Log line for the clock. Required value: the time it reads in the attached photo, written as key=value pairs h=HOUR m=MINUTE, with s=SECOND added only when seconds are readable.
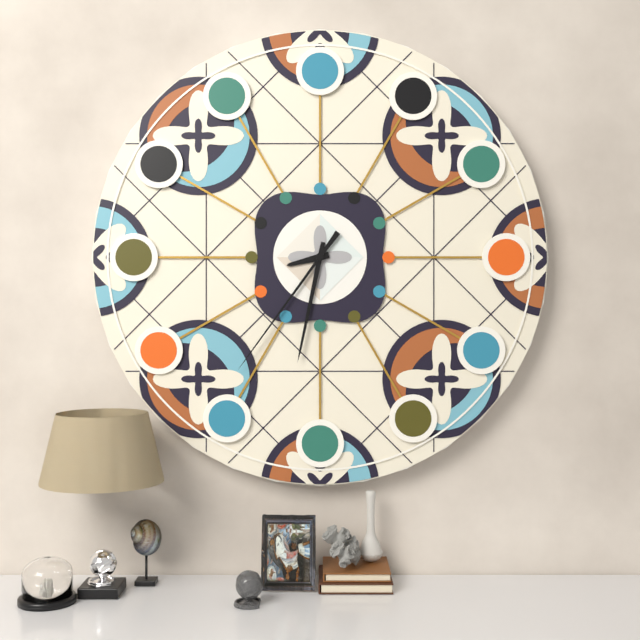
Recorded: h=8 m=32 s=36
